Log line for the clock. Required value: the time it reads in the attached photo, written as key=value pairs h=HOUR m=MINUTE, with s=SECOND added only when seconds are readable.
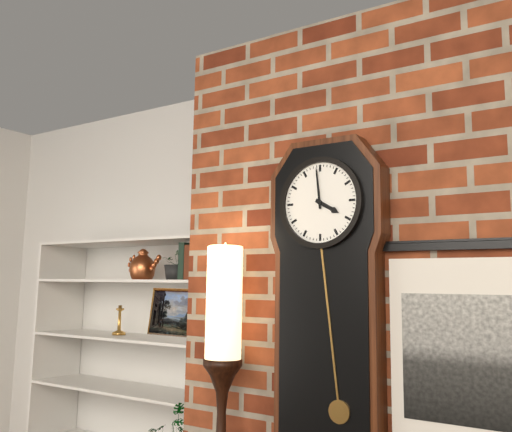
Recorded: h=3 m=59
